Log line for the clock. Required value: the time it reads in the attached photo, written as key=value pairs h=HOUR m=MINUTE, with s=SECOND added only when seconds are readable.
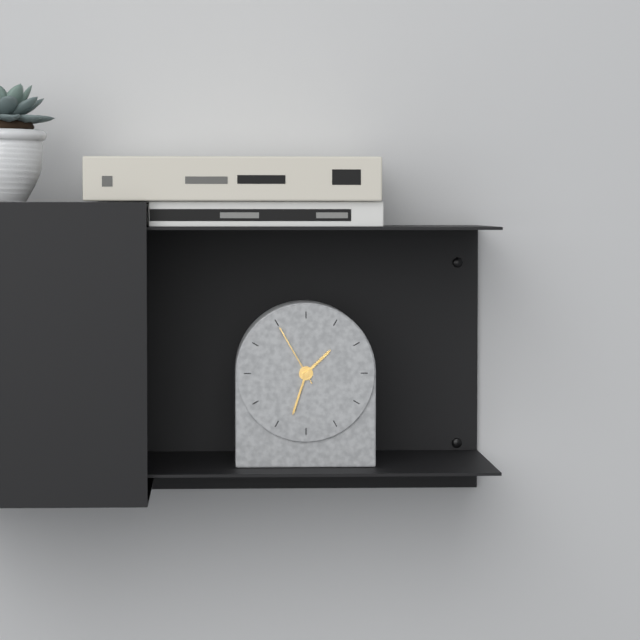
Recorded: h=1 m=33 s=55
